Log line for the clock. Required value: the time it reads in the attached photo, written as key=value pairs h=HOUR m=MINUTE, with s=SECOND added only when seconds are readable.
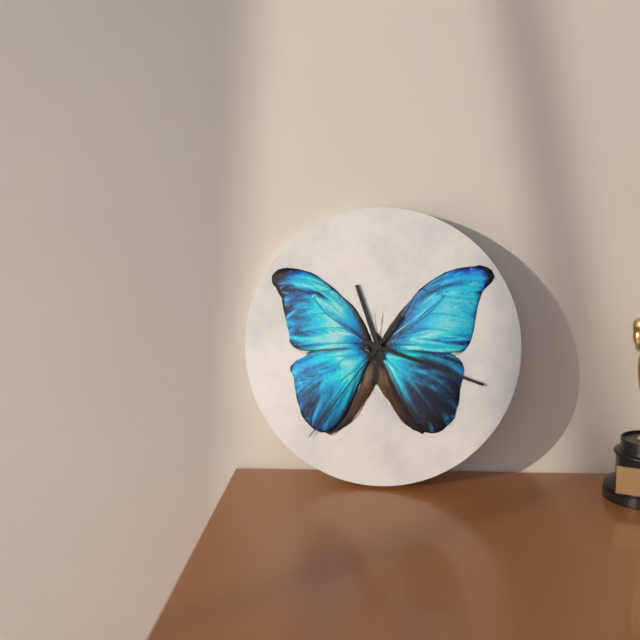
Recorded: h=11 m=18 s=36
